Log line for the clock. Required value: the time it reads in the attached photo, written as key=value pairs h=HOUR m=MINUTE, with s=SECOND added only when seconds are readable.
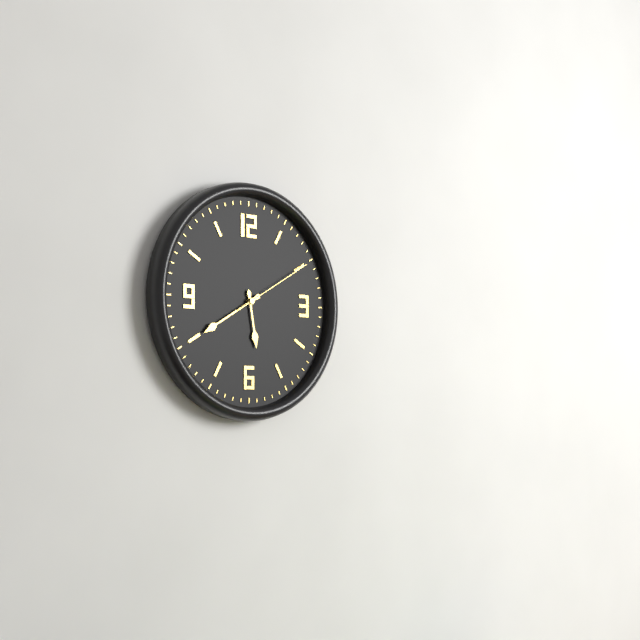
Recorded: h=5 m=40 s=10
